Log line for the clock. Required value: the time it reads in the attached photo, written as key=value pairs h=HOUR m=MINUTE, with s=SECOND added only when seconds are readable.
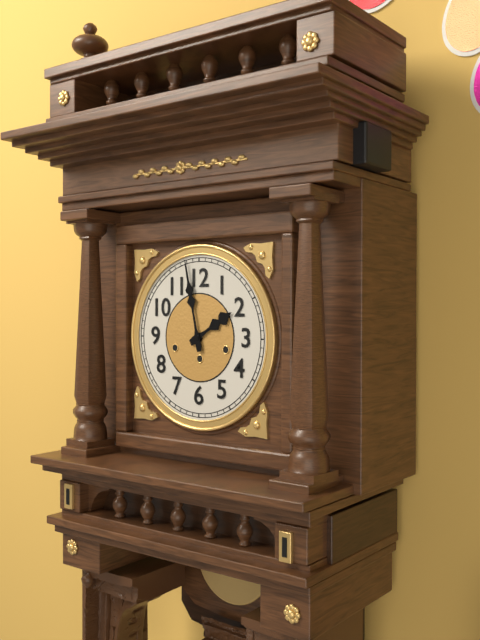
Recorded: h=1 m=58
